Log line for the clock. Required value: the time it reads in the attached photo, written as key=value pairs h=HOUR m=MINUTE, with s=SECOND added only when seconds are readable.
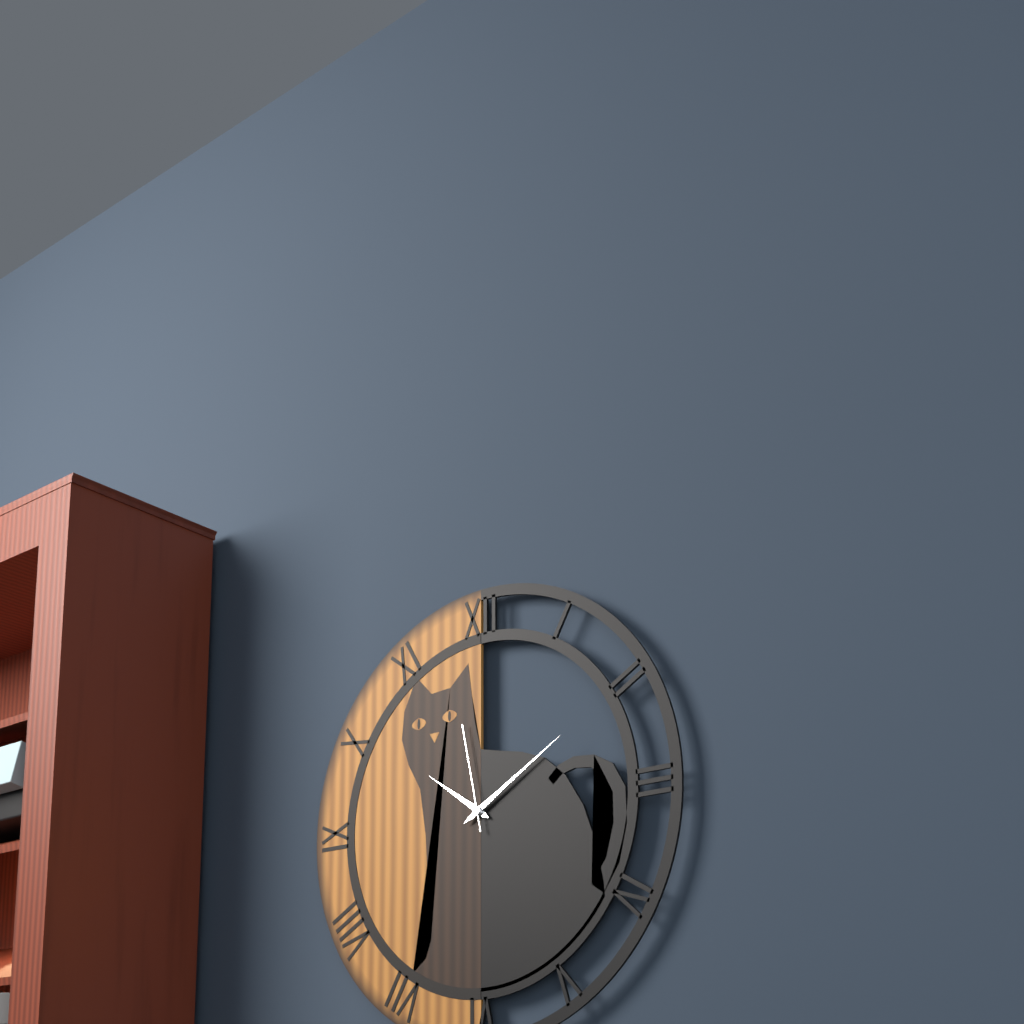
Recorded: h=10 m=10 s=58
